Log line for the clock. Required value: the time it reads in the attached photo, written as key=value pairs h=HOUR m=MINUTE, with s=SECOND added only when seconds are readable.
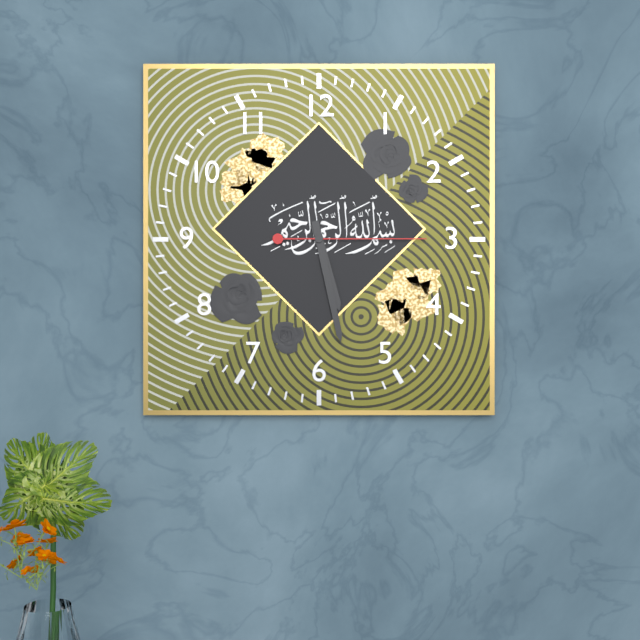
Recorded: h=5 m=28 s=15
